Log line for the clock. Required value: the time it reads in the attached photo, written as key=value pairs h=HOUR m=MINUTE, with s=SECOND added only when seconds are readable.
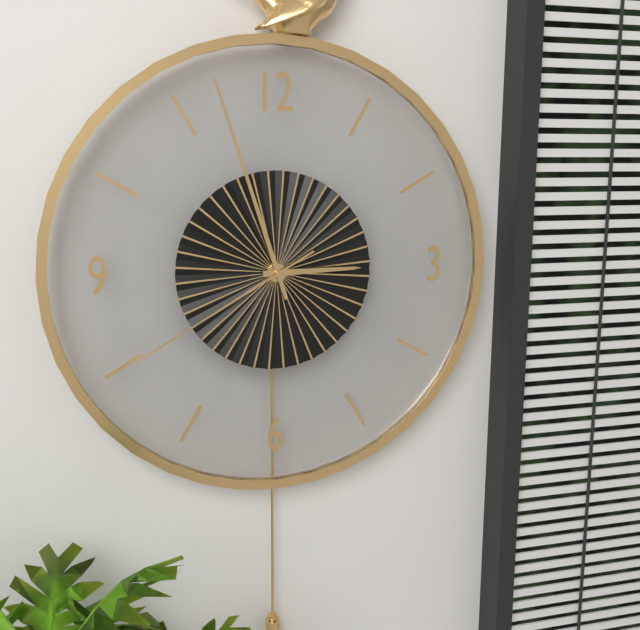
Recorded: h=2 m=57 s=40
